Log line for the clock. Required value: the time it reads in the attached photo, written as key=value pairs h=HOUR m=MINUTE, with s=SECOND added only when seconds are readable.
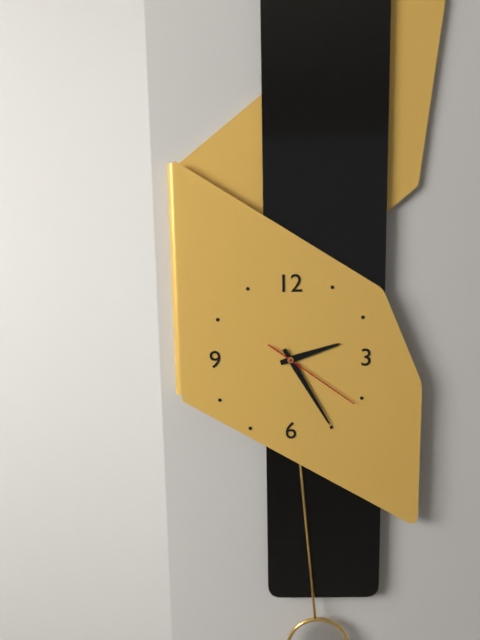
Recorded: h=2 m=25 s=21
